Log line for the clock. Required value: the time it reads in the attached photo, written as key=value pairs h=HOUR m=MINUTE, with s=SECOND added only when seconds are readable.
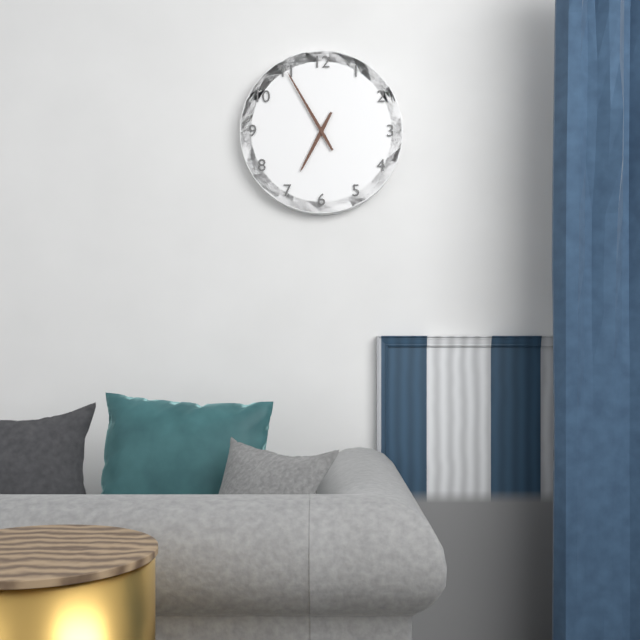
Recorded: h=6 m=55
